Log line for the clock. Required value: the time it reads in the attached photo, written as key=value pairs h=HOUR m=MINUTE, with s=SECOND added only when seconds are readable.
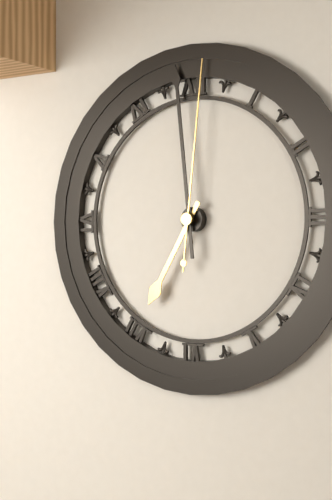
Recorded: h=6 m=59 s=1
